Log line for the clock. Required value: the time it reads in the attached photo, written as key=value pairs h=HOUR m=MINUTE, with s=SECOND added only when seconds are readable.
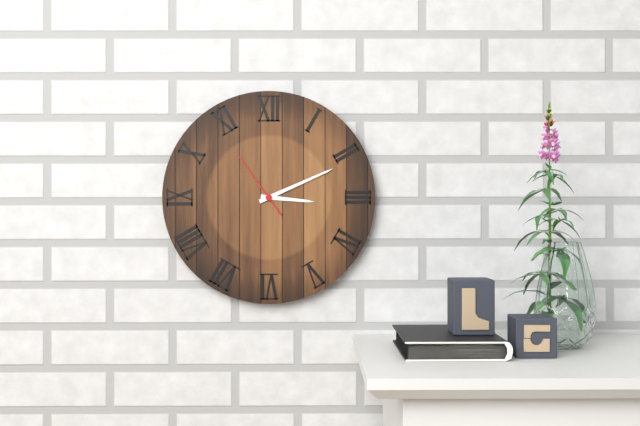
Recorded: h=3 m=11 s=54
